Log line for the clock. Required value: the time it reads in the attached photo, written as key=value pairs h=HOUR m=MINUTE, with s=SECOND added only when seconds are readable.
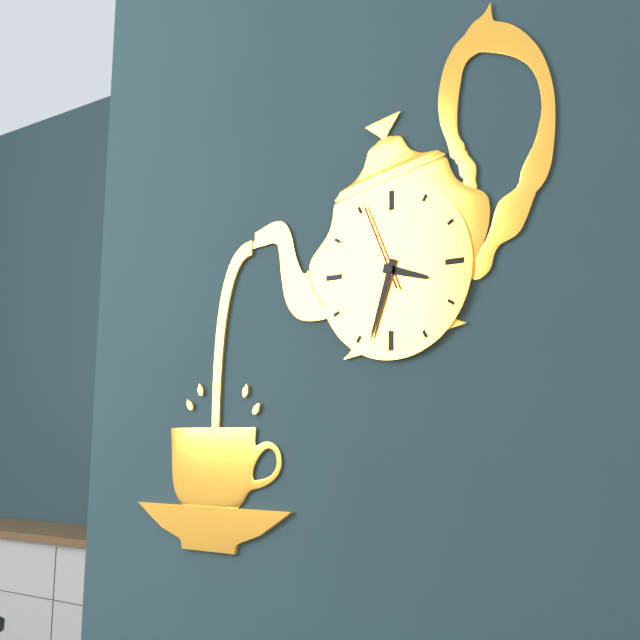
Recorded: h=3 m=33 s=56
